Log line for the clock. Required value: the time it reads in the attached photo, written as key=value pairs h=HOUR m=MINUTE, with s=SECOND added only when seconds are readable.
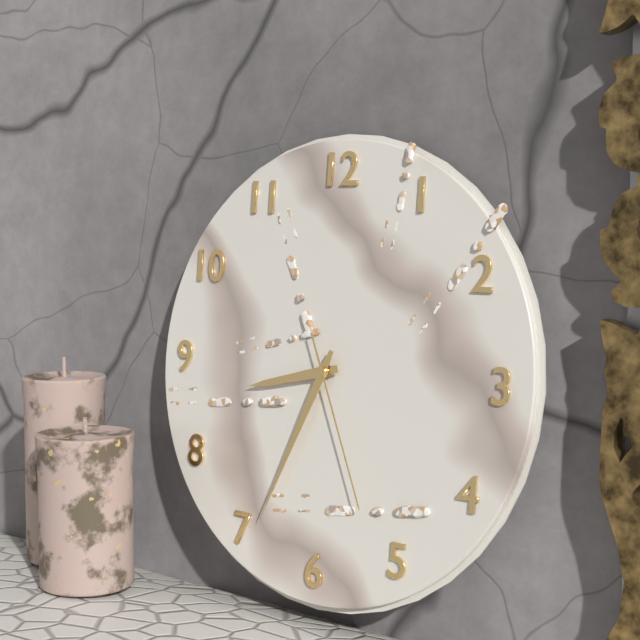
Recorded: h=8 m=34 s=26
